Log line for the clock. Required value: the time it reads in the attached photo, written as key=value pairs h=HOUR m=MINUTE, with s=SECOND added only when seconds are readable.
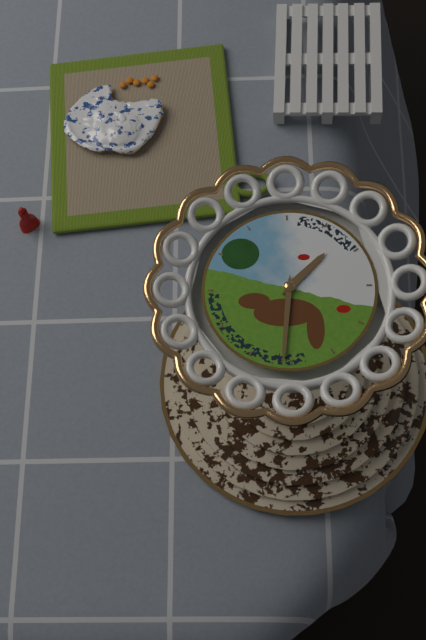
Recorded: h=1 m=31
